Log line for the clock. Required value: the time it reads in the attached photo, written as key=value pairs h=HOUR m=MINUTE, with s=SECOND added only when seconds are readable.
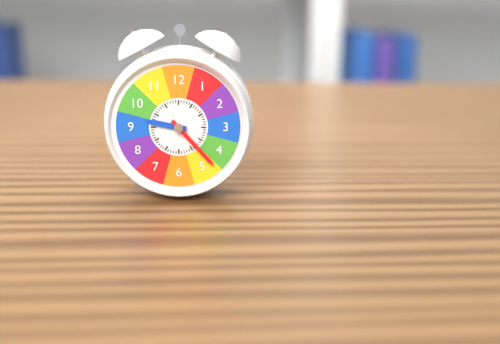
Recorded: h=9 m=23
